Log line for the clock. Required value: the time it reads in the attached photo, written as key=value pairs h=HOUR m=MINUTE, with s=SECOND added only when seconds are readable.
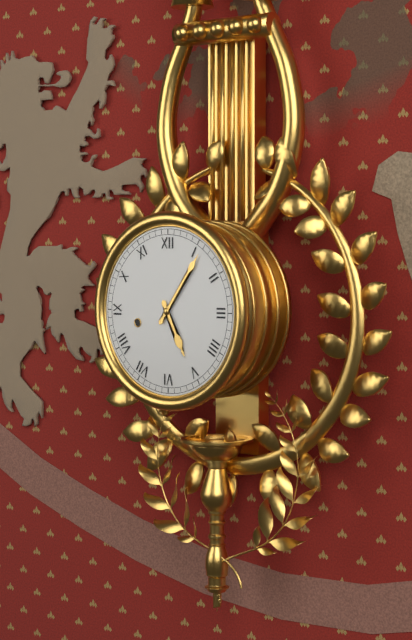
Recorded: h=5 m=6
